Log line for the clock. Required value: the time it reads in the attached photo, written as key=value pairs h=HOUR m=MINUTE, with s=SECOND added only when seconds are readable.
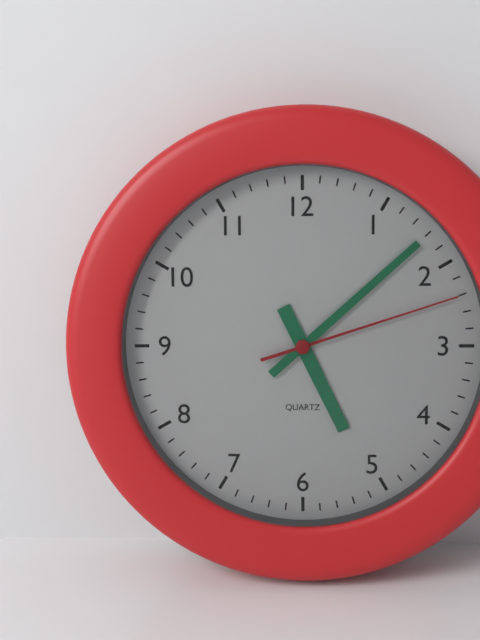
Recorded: h=5 m=8 s=12
